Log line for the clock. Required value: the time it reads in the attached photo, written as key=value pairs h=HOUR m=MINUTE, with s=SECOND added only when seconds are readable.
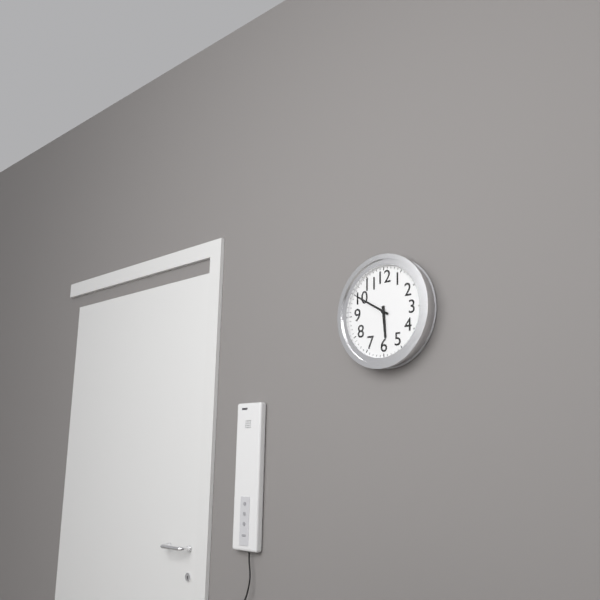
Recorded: h=5 m=50
